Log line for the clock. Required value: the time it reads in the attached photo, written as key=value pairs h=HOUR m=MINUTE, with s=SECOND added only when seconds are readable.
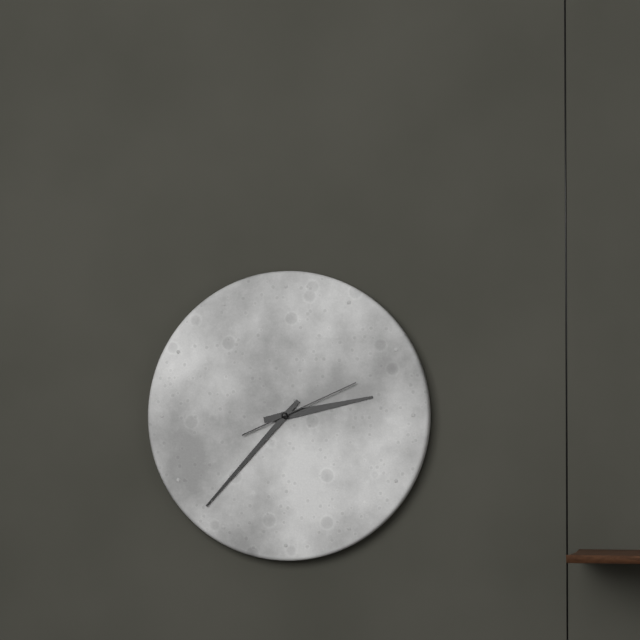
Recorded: h=2 m=37 s=11
